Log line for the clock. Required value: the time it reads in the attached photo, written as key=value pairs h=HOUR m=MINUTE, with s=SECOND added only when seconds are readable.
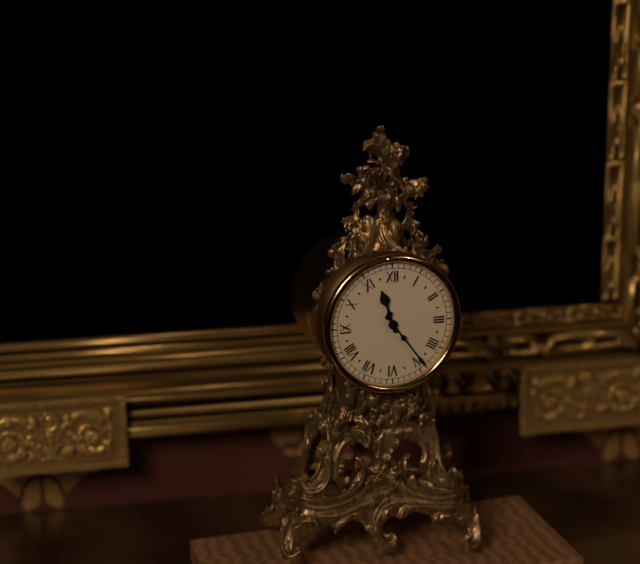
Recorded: h=11 m=24
